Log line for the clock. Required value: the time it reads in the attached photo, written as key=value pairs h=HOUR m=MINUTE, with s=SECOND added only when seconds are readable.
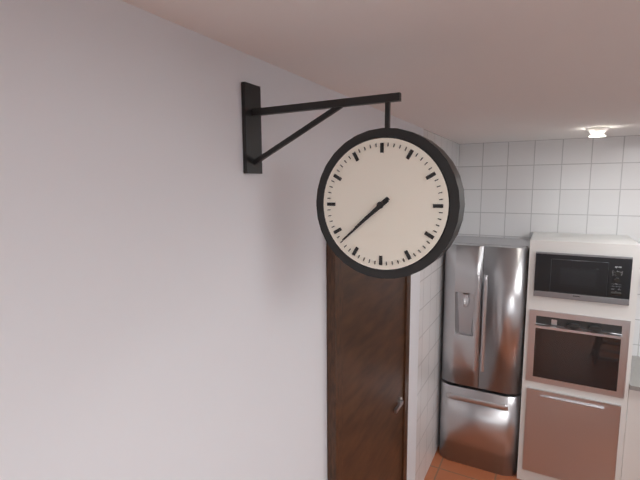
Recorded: h=7 m=38
